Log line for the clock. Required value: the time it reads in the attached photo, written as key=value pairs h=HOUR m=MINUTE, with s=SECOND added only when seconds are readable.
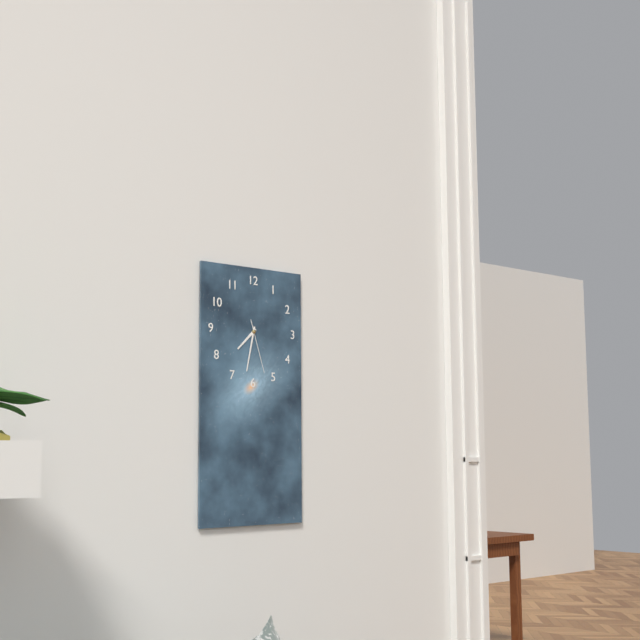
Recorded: h=7 m=32 s=27
